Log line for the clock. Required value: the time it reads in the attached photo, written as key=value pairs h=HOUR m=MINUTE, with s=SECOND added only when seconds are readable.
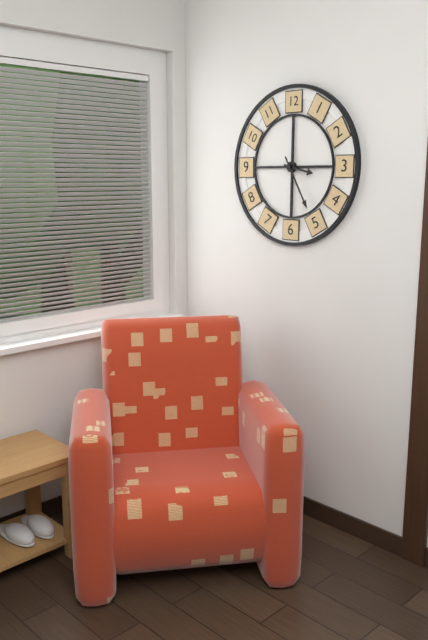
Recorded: h=3 m=25
